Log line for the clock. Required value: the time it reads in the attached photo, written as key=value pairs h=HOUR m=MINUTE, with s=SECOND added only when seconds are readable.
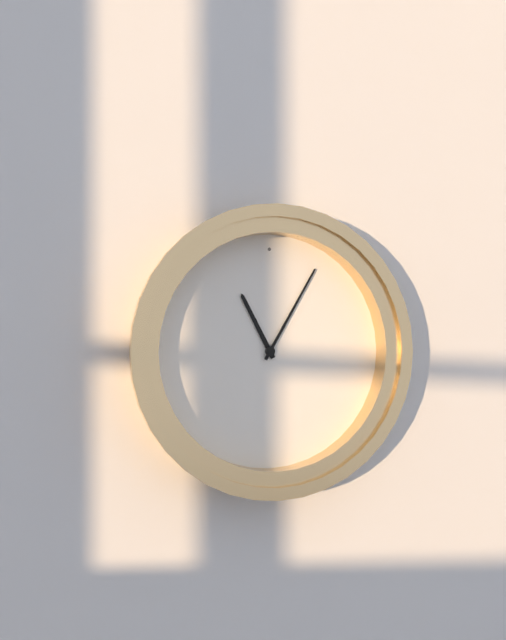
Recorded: h=11 m=5
